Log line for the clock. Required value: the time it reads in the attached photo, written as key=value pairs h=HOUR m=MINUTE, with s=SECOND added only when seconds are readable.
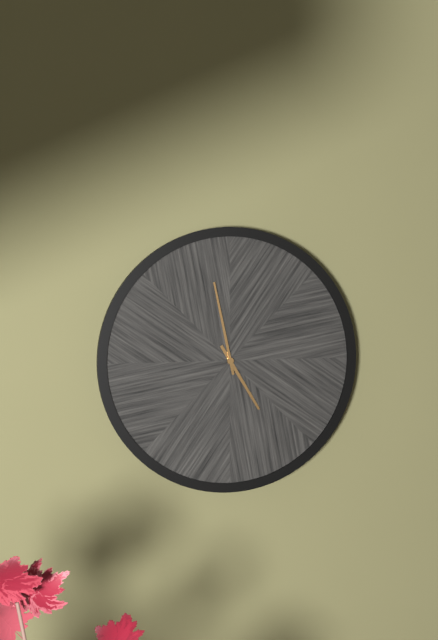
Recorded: h=4 m=58
